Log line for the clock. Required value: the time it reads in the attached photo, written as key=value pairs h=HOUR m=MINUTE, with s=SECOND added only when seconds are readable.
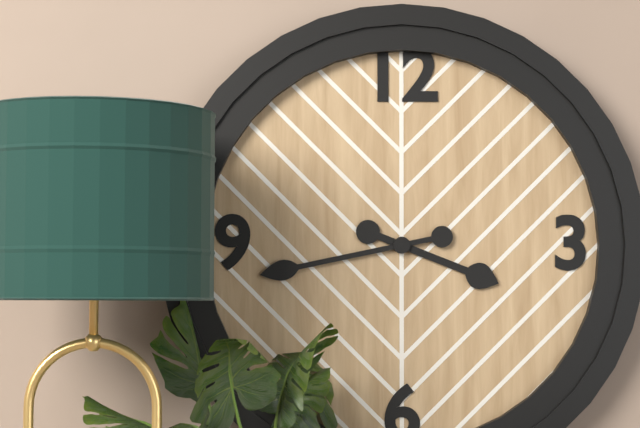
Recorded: h=3 m=43
